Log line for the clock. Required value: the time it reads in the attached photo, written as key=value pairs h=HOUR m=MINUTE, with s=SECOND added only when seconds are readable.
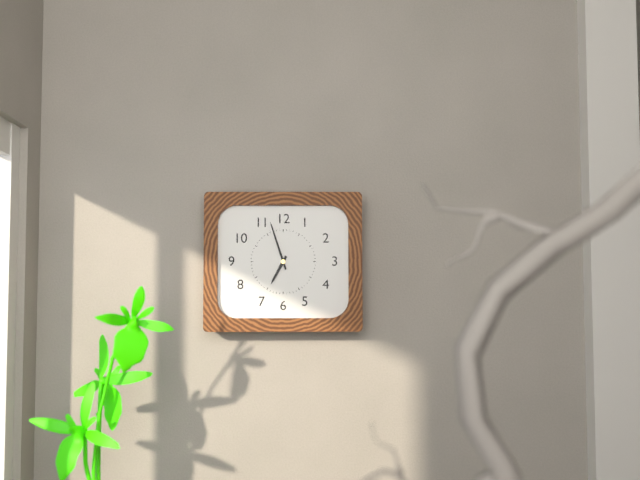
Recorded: h=6 m=57
